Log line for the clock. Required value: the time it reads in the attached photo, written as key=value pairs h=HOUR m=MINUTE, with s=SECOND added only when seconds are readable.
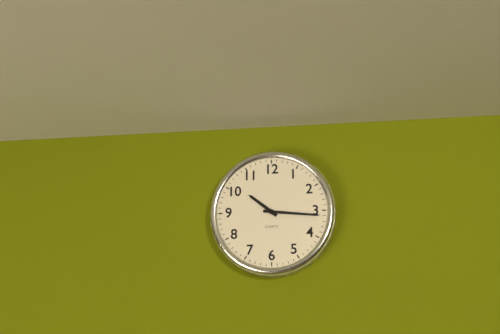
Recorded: h=10 m=16
